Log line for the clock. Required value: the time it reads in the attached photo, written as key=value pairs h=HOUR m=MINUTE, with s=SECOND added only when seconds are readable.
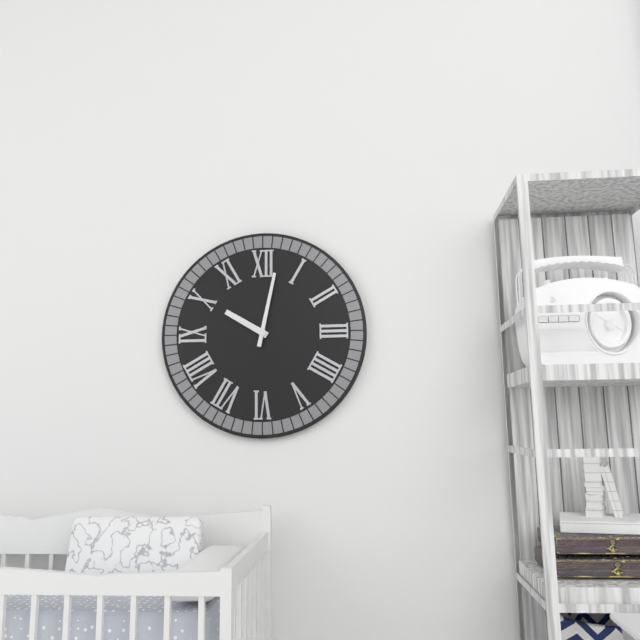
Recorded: h=10 m=2
